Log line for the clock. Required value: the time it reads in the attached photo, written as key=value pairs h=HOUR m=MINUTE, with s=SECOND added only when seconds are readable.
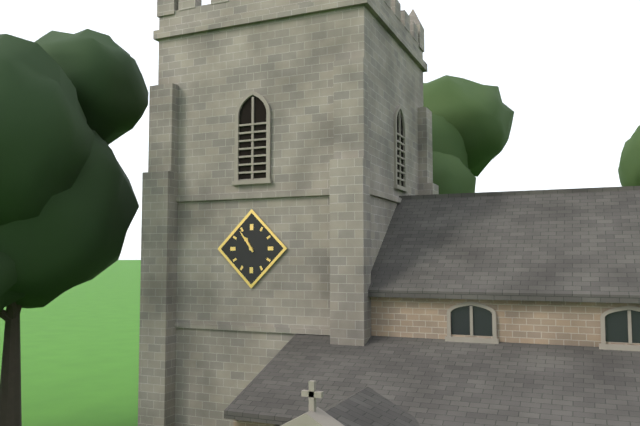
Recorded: h=10 m=54
